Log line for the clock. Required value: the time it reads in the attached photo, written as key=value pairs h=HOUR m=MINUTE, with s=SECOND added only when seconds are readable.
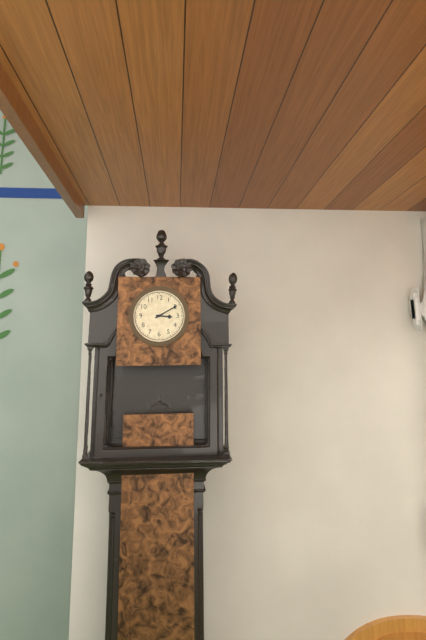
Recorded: h=3 m=10
